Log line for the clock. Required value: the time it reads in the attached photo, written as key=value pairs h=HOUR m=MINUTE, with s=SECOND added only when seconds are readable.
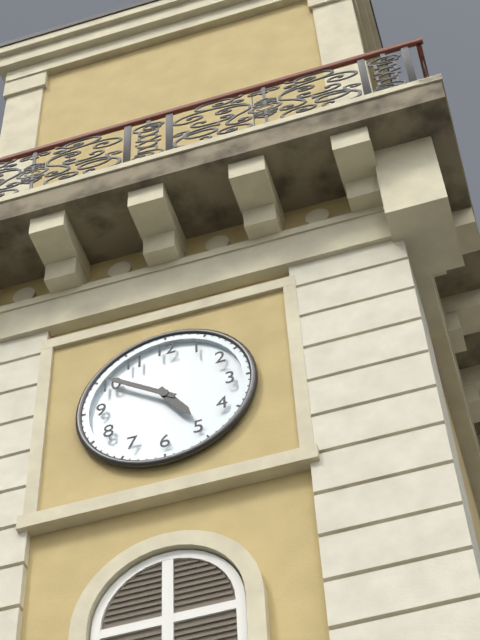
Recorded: h=4 m=51
